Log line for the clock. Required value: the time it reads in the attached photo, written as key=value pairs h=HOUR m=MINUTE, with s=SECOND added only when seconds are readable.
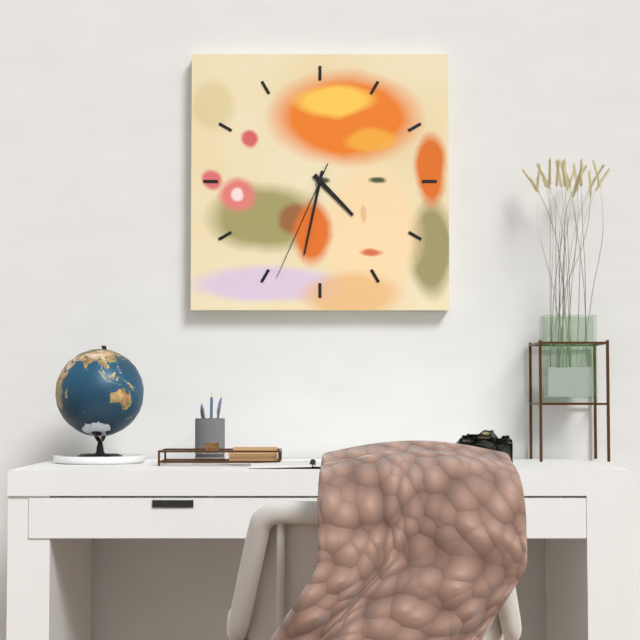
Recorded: h=4 m=32 s=34
